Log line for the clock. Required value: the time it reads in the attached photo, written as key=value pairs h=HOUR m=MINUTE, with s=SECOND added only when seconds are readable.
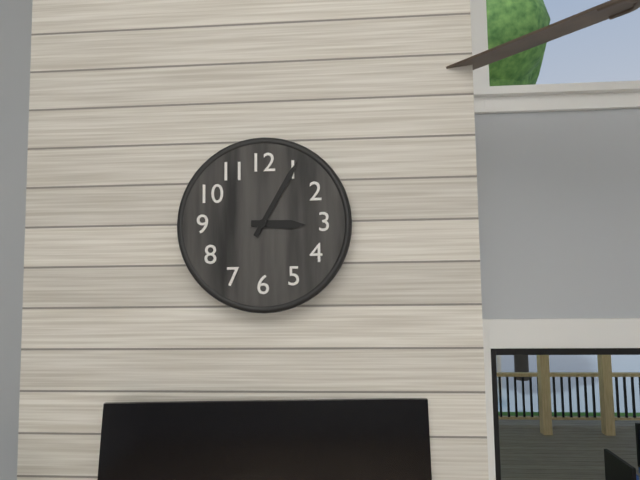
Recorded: h=3 m=5
